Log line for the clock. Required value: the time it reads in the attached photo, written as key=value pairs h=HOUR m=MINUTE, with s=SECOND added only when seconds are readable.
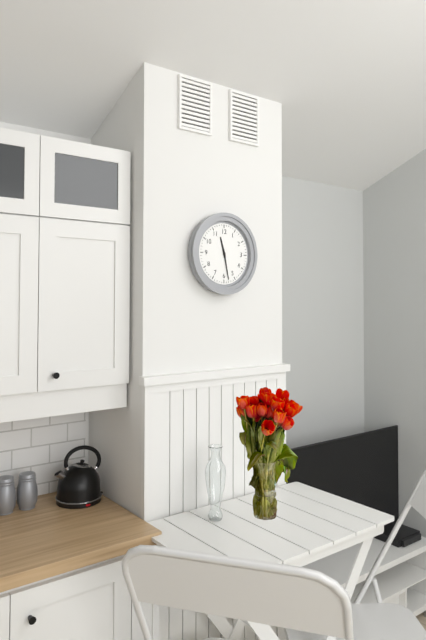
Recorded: h=11 m=28
